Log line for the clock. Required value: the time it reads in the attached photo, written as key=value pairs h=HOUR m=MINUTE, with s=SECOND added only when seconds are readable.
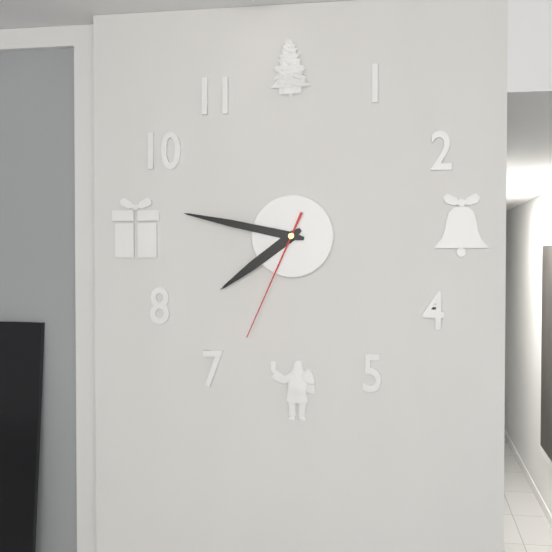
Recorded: h=7 m=47 s=34
